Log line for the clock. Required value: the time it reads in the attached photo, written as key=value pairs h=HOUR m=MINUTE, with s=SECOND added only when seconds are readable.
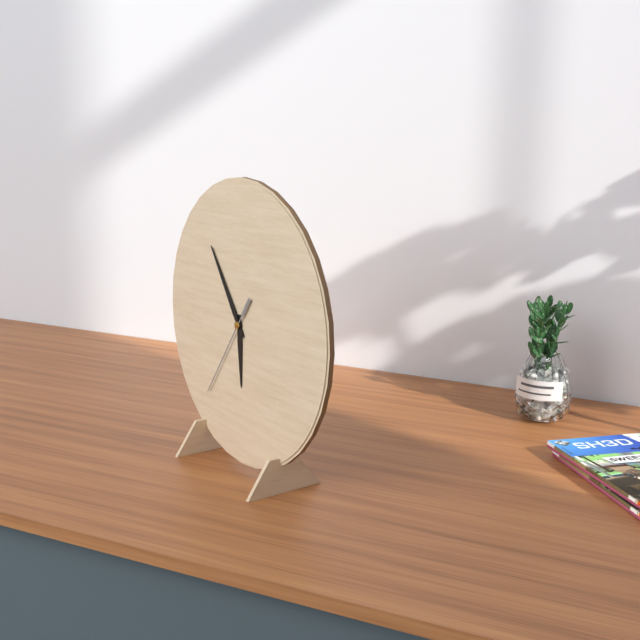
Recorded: h=5 m=54 s=36
